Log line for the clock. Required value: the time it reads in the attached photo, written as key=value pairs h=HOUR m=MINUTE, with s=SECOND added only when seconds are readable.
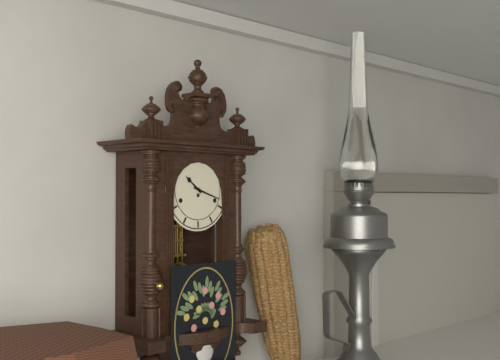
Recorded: h=10 m=18
